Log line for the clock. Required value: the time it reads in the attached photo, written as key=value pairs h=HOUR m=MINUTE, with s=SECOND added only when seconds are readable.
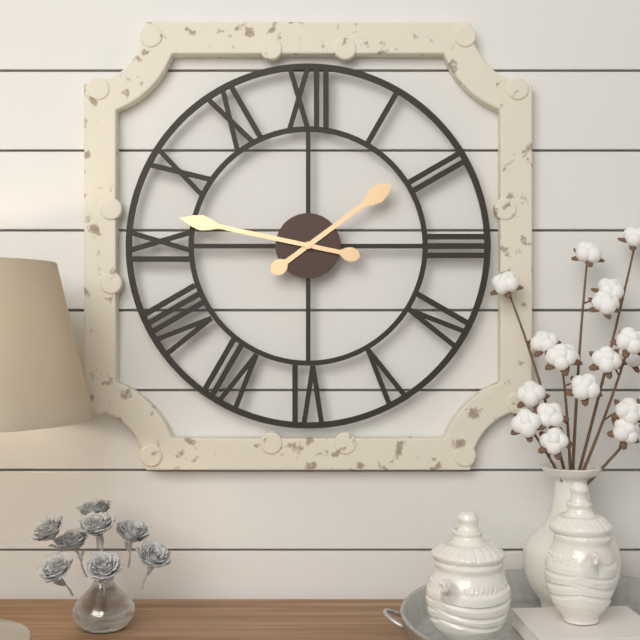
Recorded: h=1 m=47
